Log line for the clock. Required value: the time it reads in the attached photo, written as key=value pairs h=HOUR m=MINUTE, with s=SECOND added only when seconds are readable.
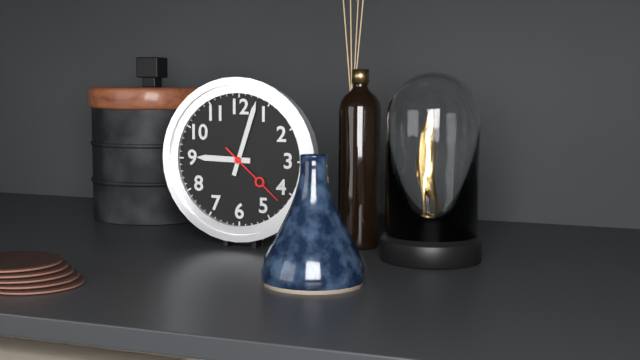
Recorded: h=9 m=3 s=22
